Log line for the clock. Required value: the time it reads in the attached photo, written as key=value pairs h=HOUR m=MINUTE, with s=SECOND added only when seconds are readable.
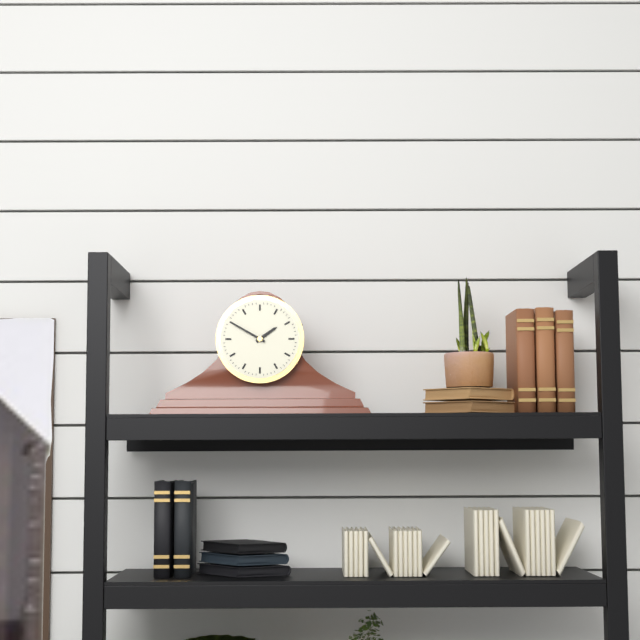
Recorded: h=1 m=50
